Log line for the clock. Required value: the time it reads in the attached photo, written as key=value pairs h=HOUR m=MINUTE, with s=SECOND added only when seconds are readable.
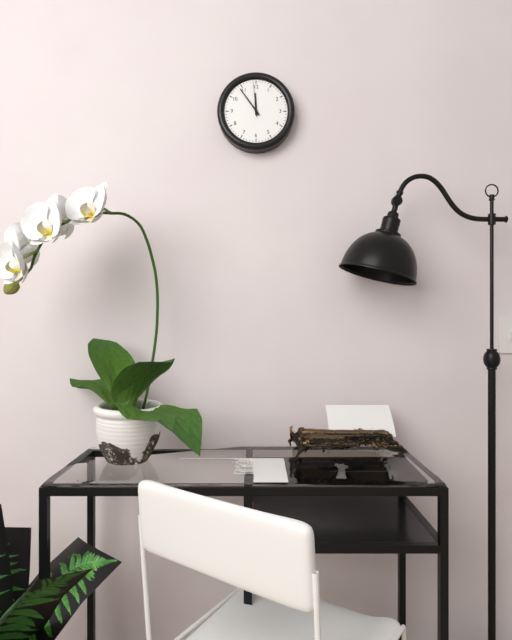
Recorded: h=11 m=54
